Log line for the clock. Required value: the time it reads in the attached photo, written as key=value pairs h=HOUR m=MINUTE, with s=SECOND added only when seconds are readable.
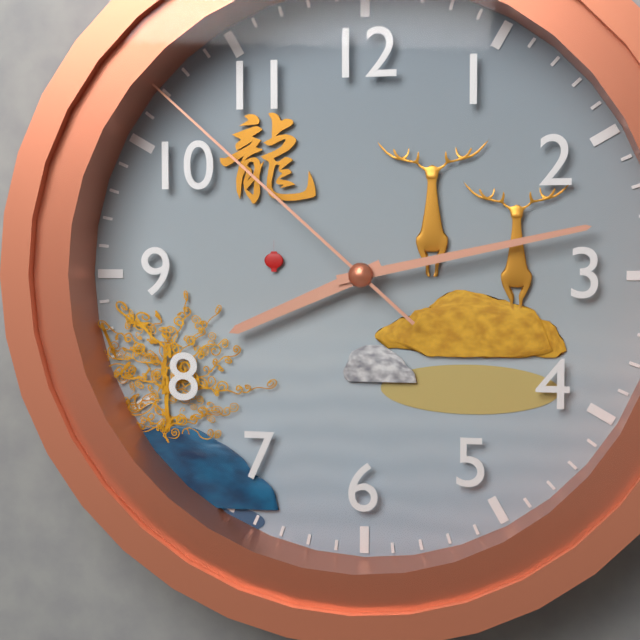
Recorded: h=8 m=13 s=52
